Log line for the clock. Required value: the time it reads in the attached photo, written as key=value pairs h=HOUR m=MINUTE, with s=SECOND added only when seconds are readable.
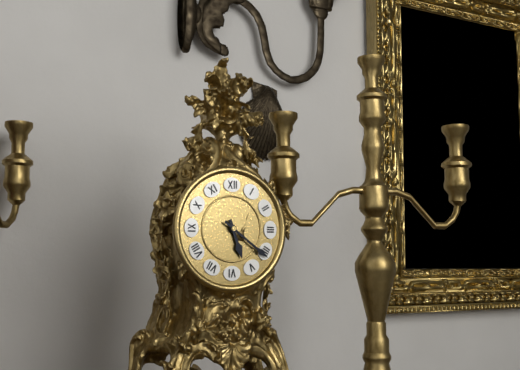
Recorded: h=5 m=21
